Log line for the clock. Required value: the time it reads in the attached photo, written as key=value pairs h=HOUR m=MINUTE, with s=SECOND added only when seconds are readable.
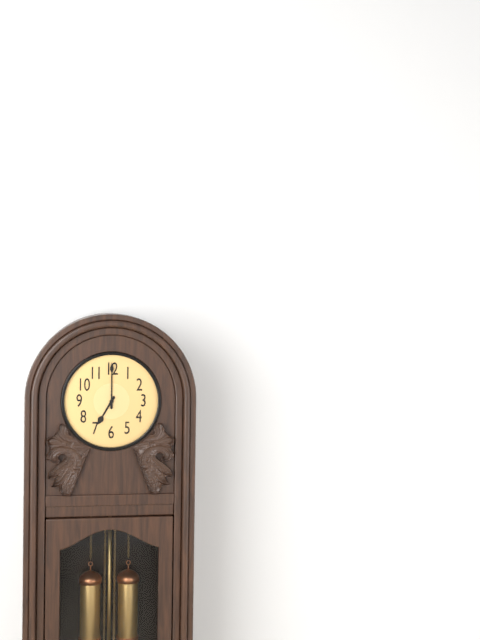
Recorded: h=7 m=0
